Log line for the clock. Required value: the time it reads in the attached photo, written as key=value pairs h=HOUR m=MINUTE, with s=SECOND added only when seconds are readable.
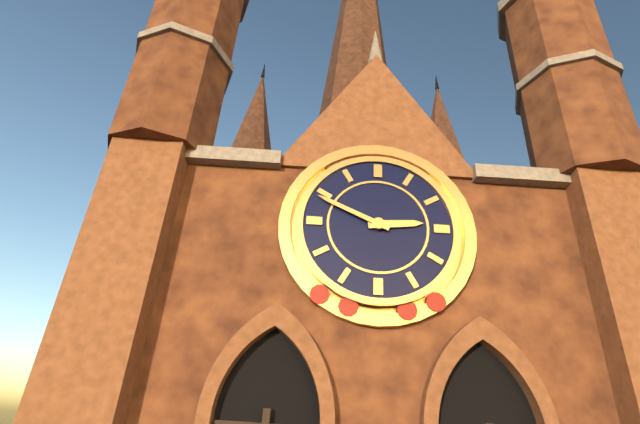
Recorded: h=2 m=49
